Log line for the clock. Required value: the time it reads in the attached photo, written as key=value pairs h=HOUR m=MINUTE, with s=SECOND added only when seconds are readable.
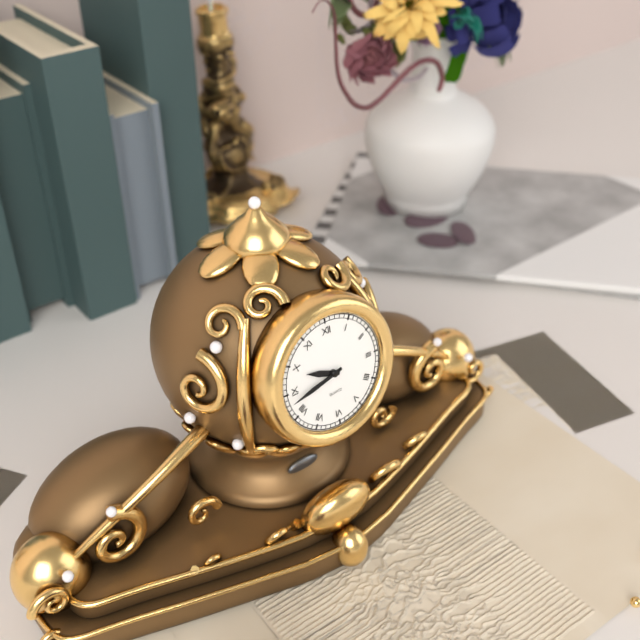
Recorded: h=9 m=43
